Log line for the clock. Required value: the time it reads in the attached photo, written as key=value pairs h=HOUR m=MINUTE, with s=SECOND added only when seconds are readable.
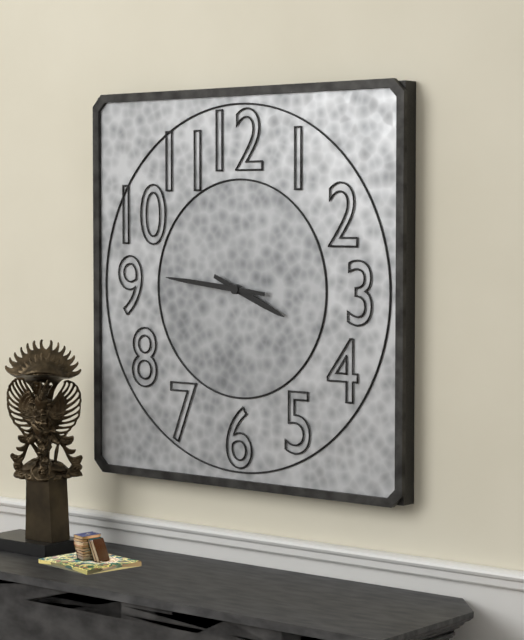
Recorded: h=3 m=46
